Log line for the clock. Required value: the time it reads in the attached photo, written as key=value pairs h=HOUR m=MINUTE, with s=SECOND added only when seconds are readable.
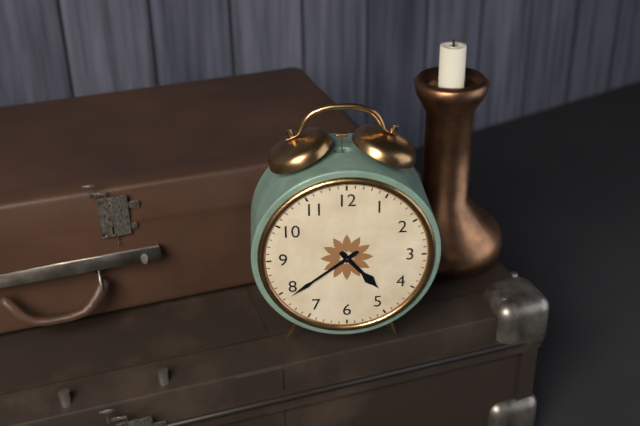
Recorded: h=4 m=39
